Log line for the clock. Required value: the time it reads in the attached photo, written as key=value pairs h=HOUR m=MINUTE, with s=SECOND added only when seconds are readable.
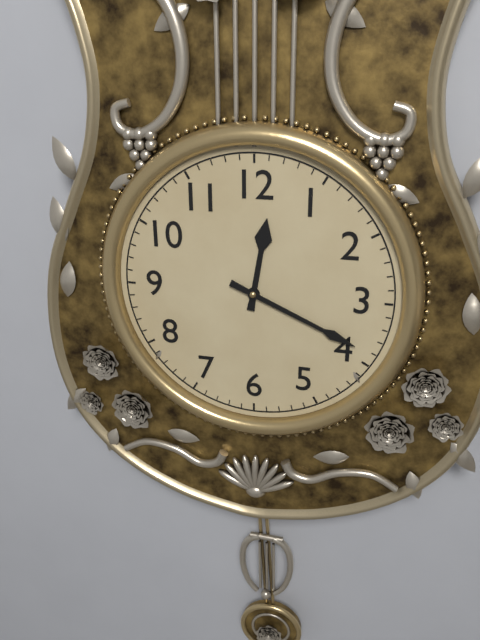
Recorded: h=12 m=19
